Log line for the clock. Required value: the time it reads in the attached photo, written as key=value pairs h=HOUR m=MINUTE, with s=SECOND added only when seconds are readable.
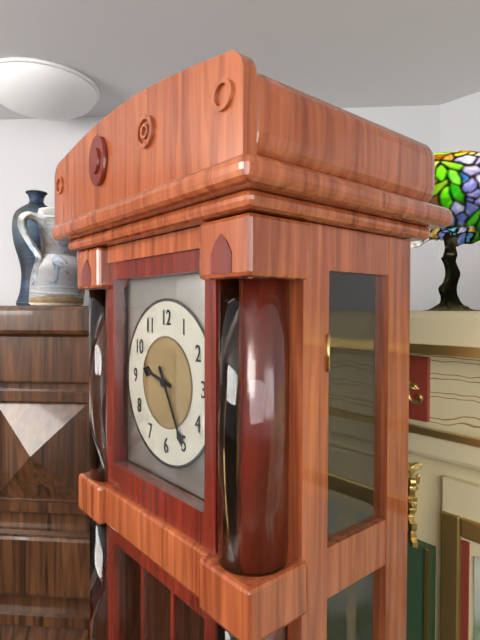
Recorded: h=9 m=25
